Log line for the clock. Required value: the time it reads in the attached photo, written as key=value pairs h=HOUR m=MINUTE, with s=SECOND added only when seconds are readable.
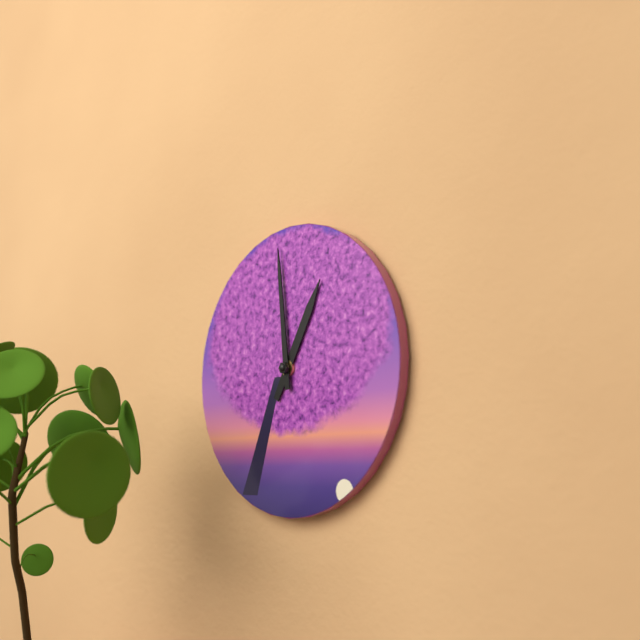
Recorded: h=12 m=59
